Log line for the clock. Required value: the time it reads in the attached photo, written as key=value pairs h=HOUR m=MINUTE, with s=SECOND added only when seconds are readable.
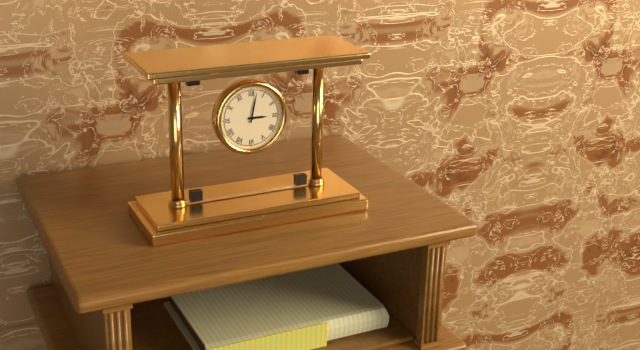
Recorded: h=3 m=2
